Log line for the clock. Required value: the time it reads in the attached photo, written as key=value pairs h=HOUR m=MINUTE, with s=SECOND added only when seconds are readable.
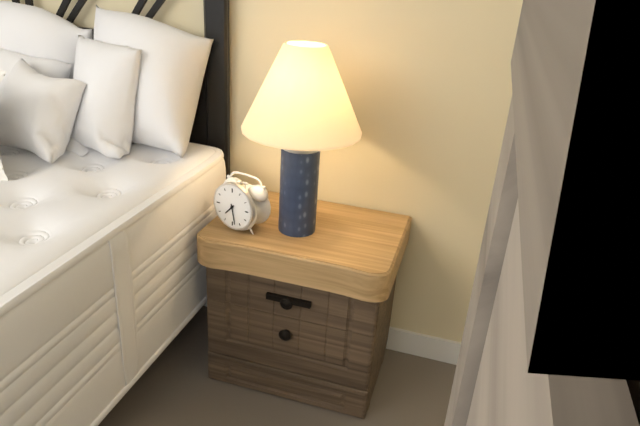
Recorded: h=7 m=28
